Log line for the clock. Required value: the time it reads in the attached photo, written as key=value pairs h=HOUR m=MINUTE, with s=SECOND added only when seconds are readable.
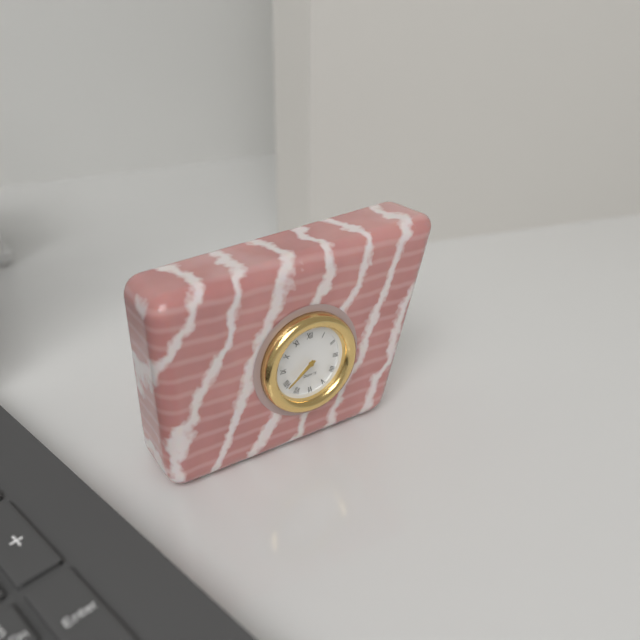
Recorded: h=7 m=39
